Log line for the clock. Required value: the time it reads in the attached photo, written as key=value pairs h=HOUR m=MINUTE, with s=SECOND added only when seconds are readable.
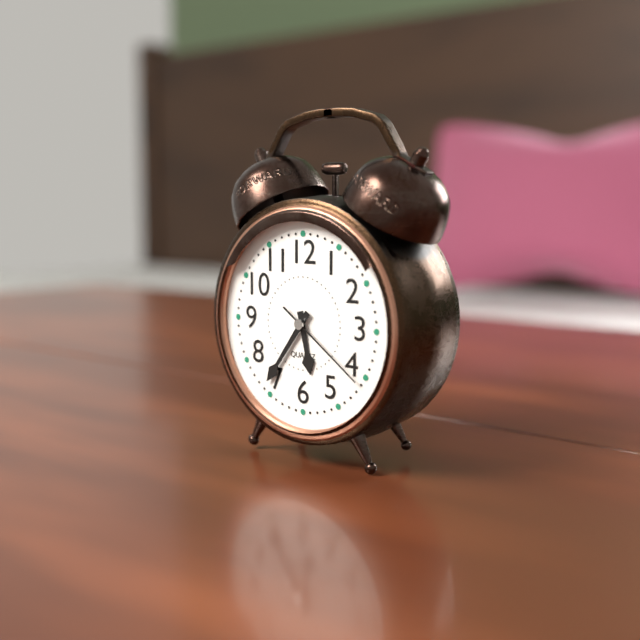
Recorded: h=5 m=36 s=21
